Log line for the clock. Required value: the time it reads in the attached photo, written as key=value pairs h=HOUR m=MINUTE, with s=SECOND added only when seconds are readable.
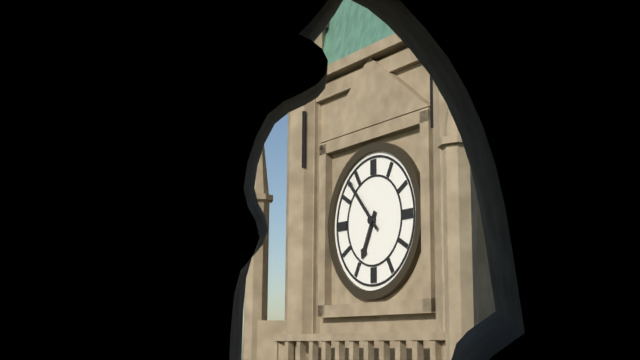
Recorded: h=6 m=53
